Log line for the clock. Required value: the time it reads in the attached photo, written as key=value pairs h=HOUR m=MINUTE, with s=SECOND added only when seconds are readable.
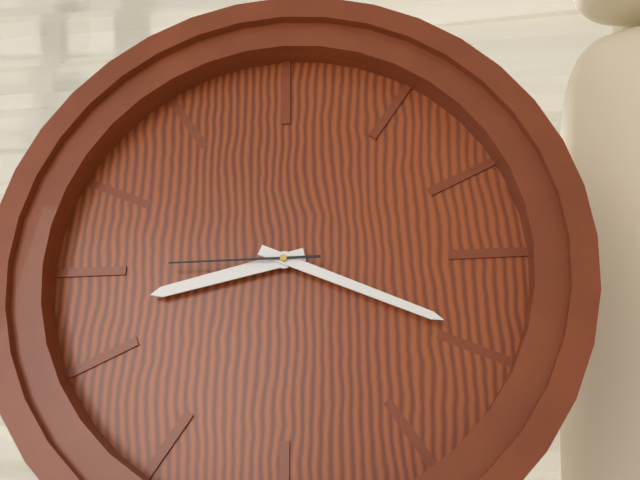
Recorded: h=11 m=34 s=0
